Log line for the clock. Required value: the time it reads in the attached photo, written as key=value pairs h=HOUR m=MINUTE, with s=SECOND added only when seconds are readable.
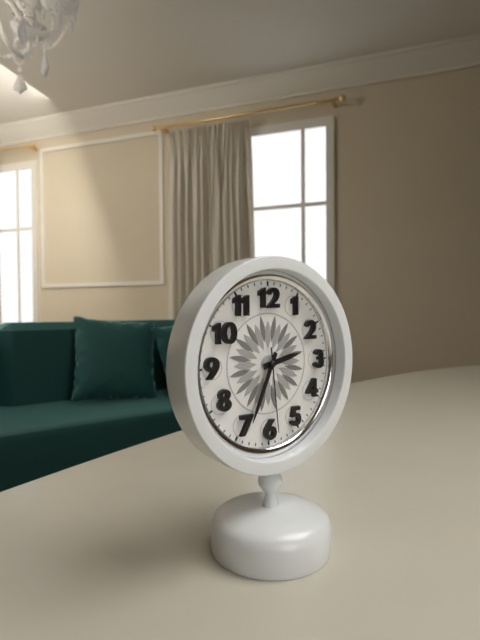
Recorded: h=2 m=34 s=29
